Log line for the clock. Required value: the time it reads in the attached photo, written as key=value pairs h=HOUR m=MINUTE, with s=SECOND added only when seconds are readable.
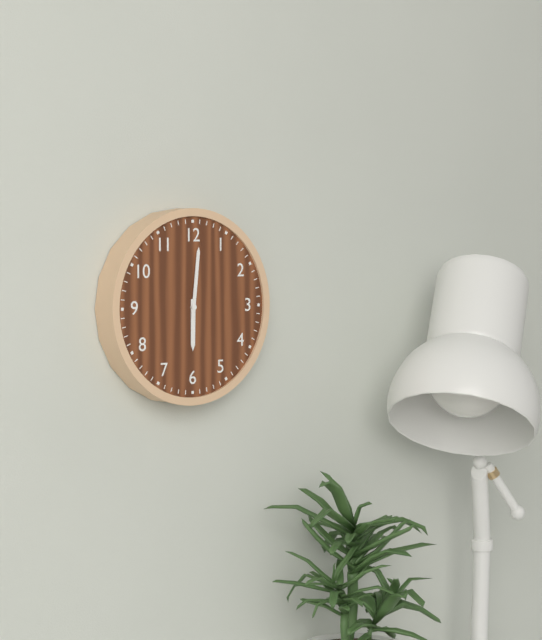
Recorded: h=6 m=1
